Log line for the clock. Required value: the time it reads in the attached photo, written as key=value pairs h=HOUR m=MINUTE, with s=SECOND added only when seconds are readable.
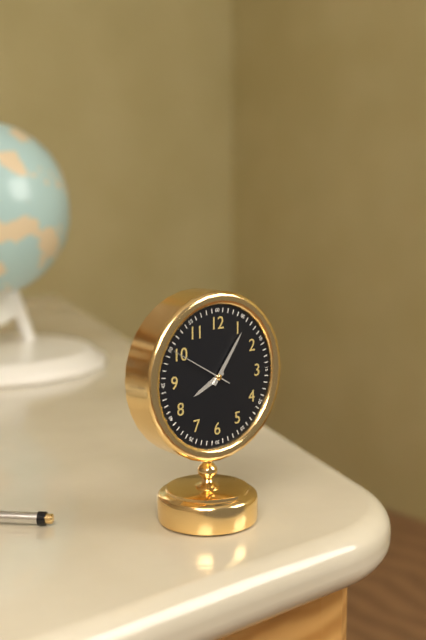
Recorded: h=8 m=6 s=50
